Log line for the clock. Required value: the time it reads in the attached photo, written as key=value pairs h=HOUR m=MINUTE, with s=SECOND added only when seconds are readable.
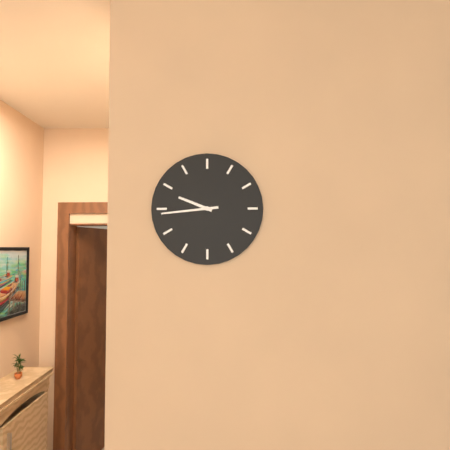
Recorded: h=9 m=44
